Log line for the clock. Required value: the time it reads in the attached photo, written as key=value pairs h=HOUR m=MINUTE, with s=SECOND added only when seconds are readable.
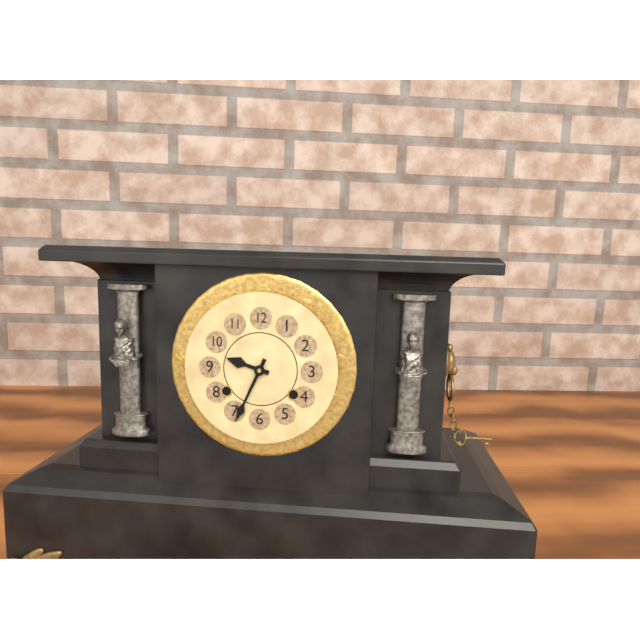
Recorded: h=9 m=34
